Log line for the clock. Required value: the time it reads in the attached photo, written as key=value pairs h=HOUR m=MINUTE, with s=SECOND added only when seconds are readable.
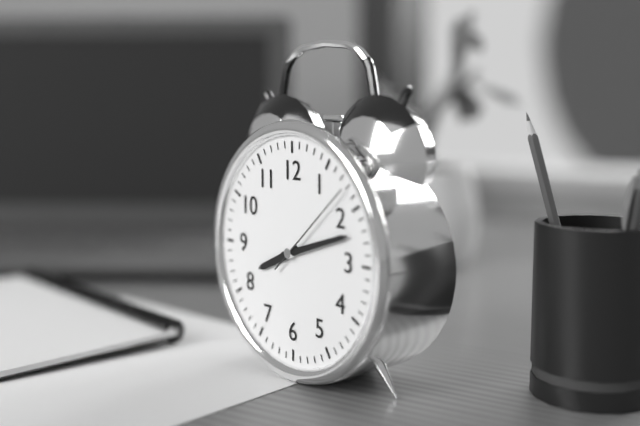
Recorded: h=8 m=12 s=8
